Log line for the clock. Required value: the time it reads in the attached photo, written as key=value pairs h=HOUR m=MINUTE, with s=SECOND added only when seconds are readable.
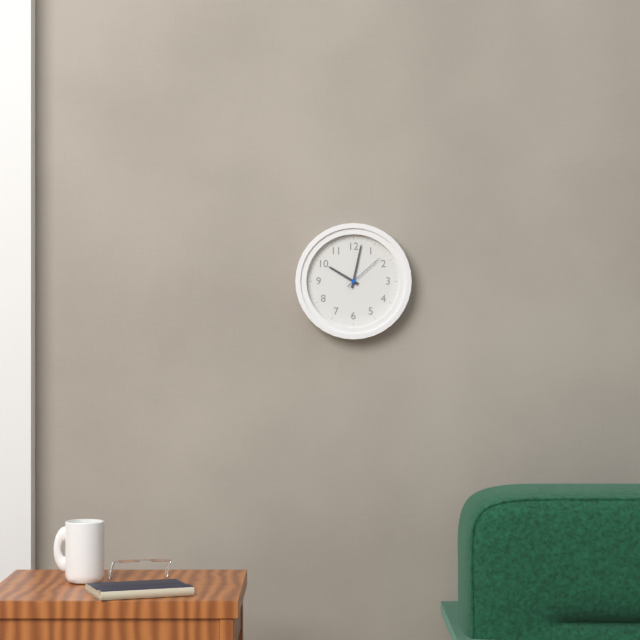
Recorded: h=10 m=2
